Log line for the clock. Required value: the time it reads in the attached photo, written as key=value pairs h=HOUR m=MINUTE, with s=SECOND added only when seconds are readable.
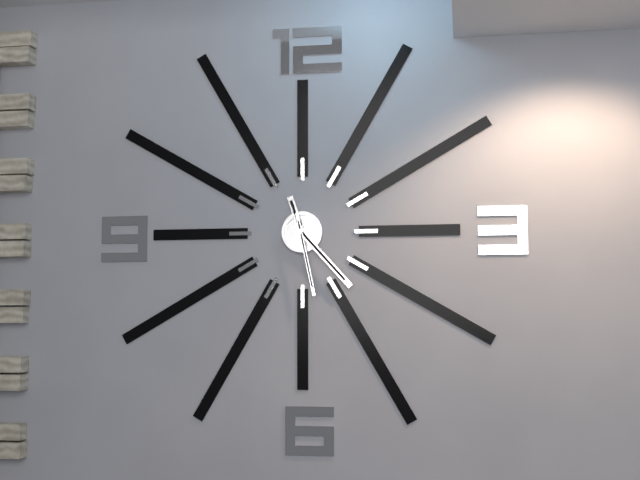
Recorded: h=11 m=23 s=28
